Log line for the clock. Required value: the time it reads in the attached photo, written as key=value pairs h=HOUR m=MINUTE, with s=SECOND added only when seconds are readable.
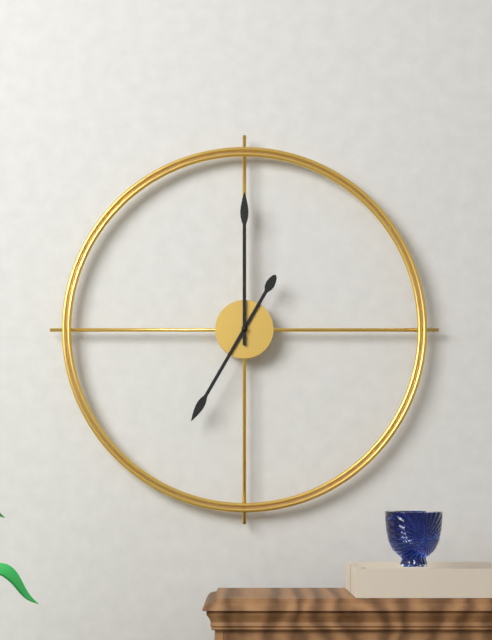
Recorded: h=7 m=0
